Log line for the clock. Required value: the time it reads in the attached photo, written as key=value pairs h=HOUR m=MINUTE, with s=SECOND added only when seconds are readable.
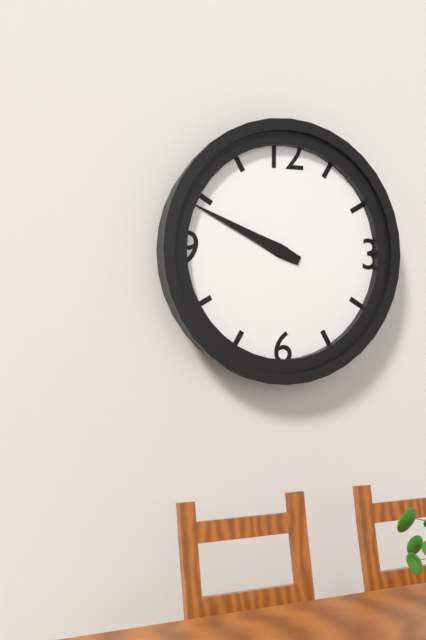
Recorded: h=9 m=49
